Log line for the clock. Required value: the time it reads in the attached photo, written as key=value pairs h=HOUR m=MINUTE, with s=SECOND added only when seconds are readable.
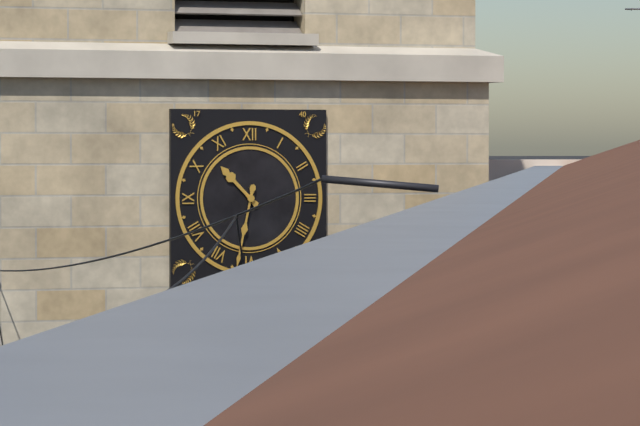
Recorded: h=10 m=32
